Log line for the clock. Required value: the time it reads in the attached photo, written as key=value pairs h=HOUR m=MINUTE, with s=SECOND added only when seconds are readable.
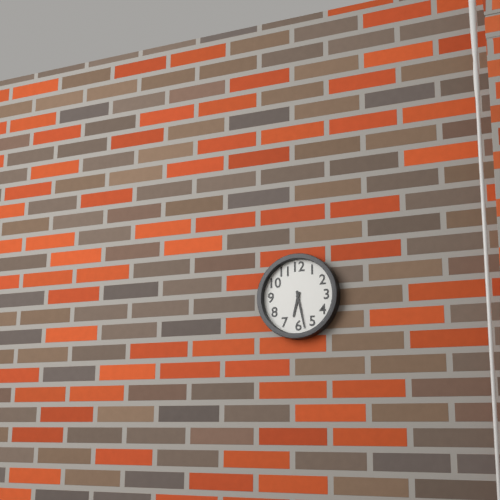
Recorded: h=6 m=28
